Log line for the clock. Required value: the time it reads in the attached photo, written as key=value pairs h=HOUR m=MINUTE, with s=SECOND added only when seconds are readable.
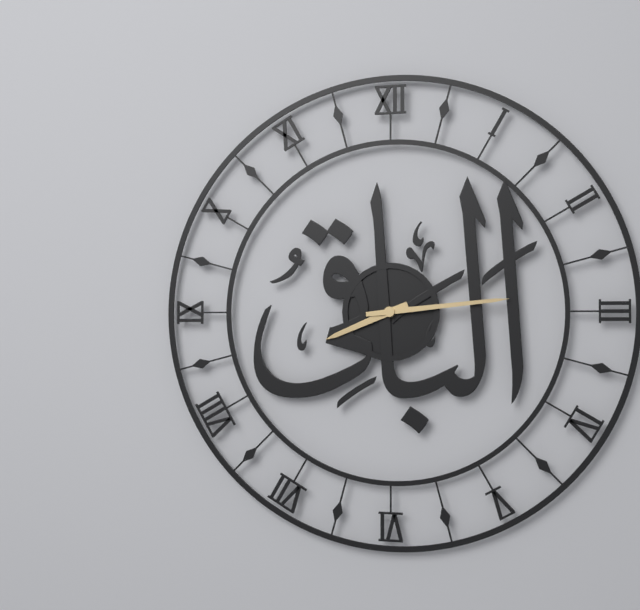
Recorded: h=8 m=14
